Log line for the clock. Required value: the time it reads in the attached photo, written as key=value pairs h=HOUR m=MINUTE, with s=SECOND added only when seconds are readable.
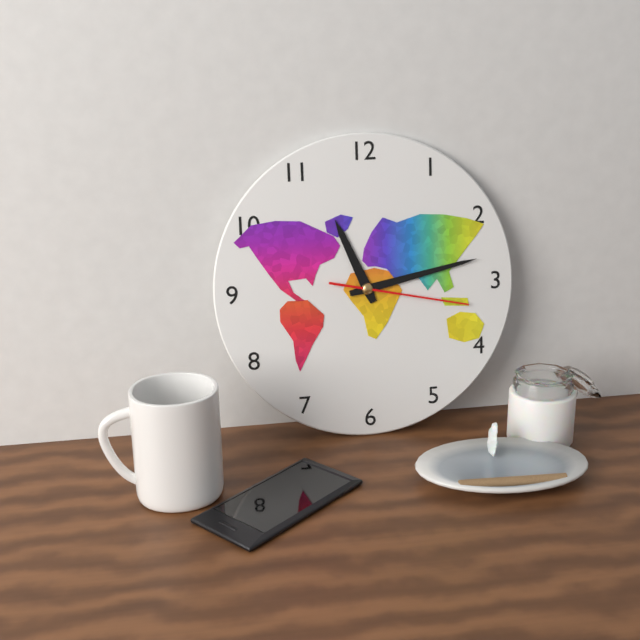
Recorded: h=11 m=13 s=17
